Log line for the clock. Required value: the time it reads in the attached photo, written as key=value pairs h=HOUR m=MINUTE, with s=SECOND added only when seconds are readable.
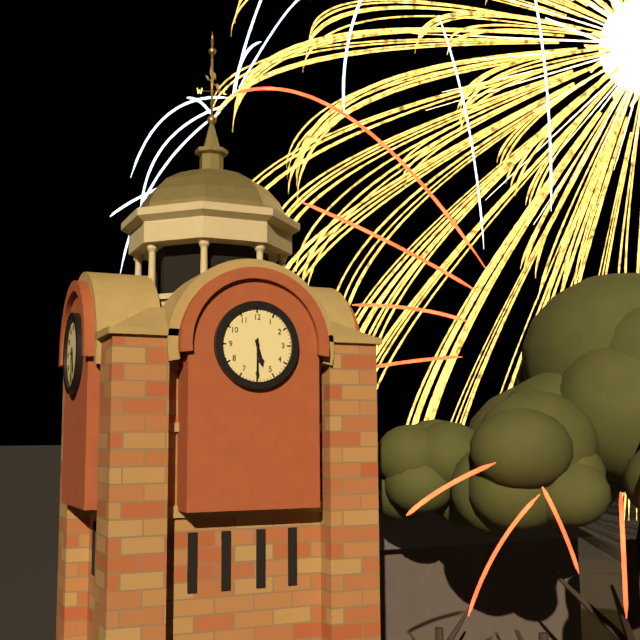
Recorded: h=5 m=30
